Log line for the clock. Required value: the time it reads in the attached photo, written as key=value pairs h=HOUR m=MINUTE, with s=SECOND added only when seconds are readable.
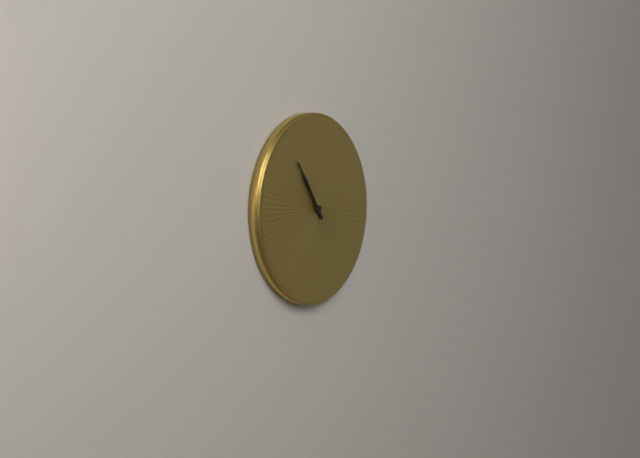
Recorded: h=10 m=54
